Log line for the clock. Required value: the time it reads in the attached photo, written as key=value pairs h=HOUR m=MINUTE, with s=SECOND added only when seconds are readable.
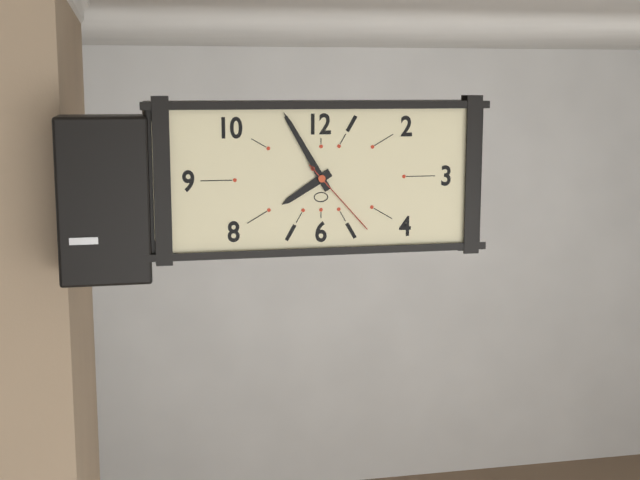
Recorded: h=7 m=55 s=23
